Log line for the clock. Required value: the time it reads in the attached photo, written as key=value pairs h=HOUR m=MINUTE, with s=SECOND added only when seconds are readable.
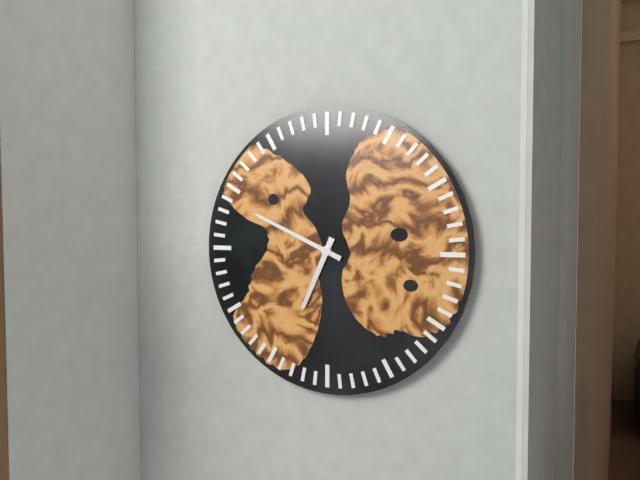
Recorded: h=6 m=49
